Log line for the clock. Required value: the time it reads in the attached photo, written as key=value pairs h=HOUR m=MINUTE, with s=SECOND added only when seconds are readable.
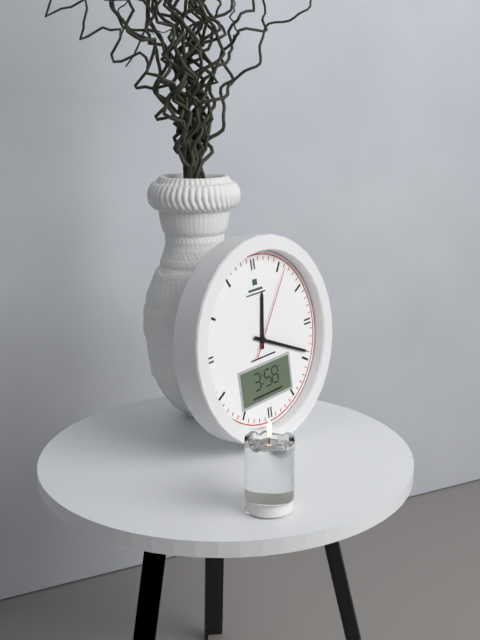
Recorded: h=12 m=19 s=6
